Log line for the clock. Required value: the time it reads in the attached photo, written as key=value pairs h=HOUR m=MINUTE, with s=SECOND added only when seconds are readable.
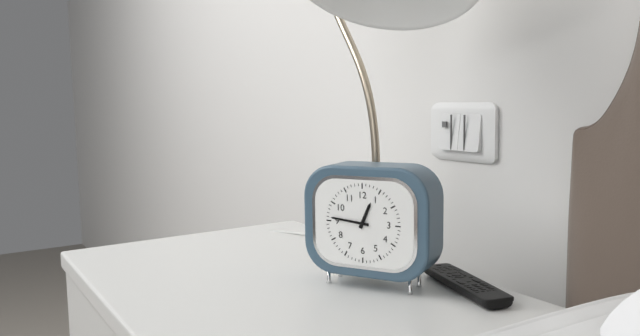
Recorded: h=12 m=46
